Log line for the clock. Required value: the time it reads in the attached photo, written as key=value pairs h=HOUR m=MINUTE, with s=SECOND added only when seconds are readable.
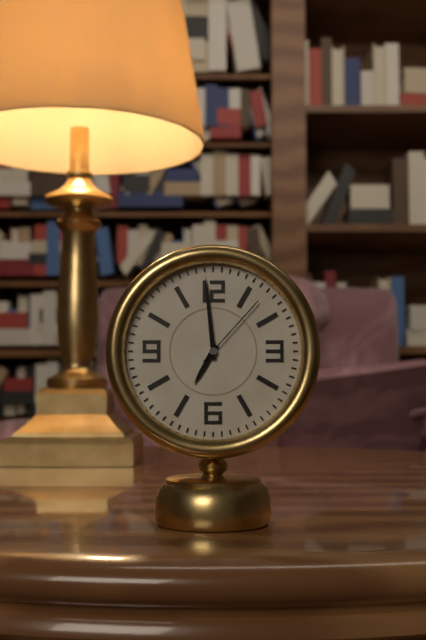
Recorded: h=6 m=59 s=7
